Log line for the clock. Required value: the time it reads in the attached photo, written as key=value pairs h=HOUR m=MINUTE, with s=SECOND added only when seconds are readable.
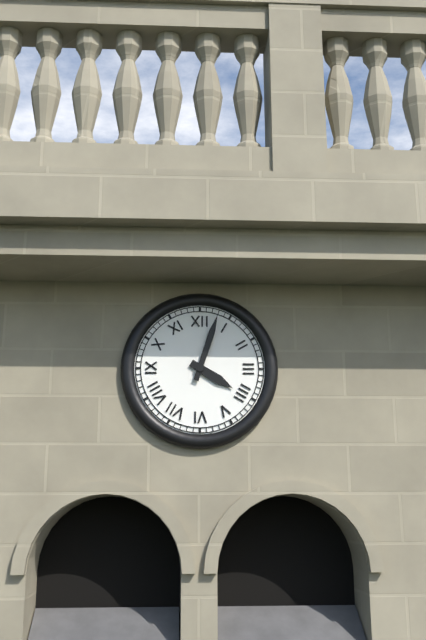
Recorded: h=4 m=3
